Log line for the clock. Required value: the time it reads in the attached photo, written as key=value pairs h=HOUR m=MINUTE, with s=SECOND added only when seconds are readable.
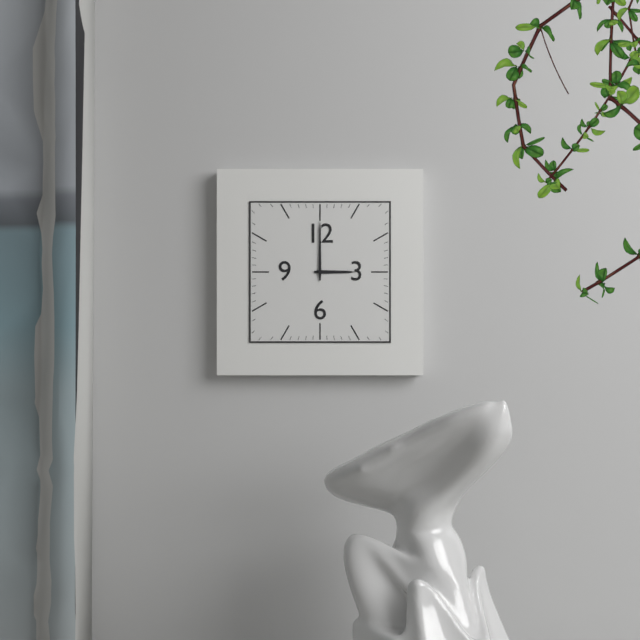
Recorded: h=3 m=0
